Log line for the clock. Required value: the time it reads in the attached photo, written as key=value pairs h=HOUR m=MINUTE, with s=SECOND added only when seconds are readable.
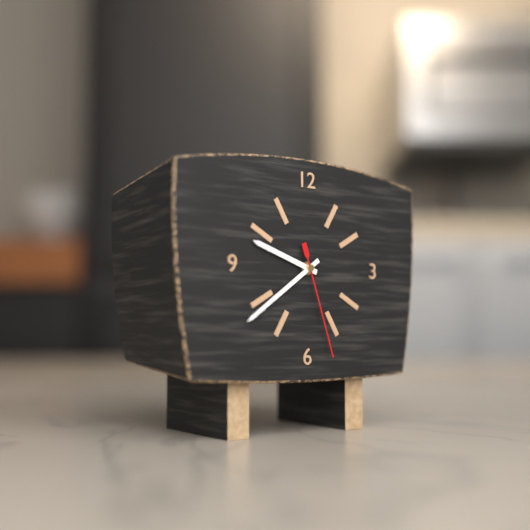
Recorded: h=9 m=39 s=27
